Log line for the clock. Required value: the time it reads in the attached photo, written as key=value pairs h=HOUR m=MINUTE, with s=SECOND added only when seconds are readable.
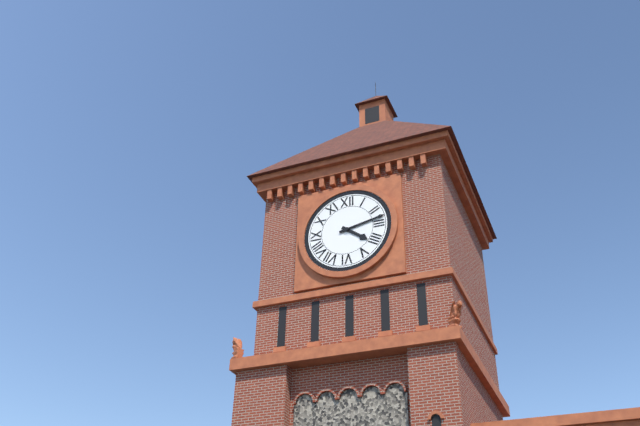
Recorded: h=4 m=13
